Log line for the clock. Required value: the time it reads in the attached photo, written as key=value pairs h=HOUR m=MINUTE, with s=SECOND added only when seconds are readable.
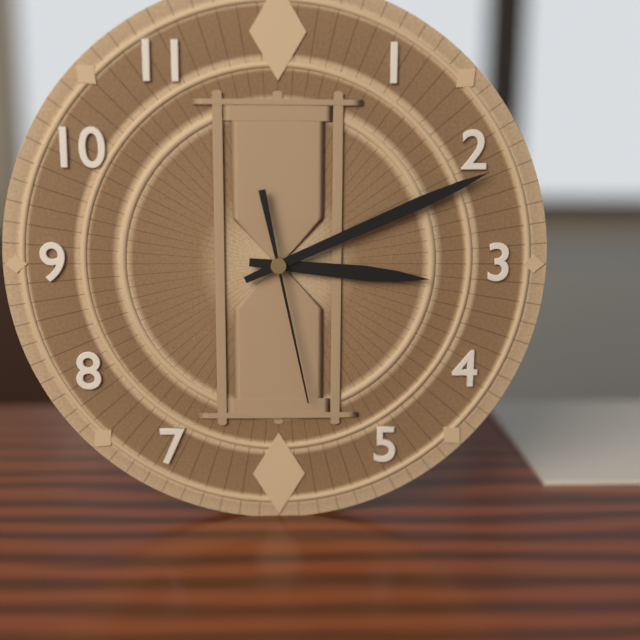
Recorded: h=3 m=11 s=28
